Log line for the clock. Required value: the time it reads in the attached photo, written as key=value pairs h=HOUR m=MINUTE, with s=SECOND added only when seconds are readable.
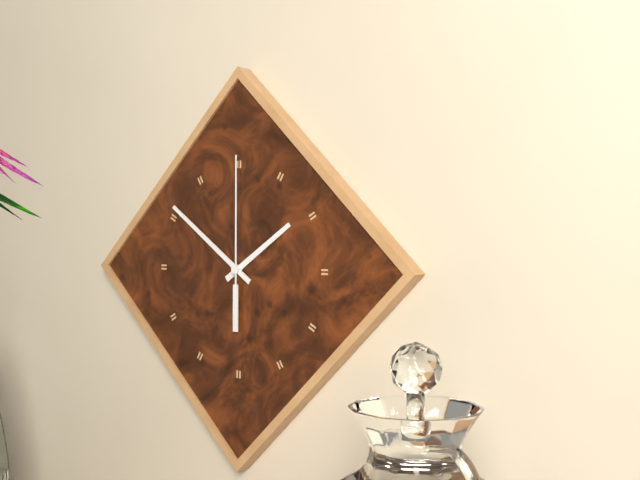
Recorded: h=1 m=51 s=0
